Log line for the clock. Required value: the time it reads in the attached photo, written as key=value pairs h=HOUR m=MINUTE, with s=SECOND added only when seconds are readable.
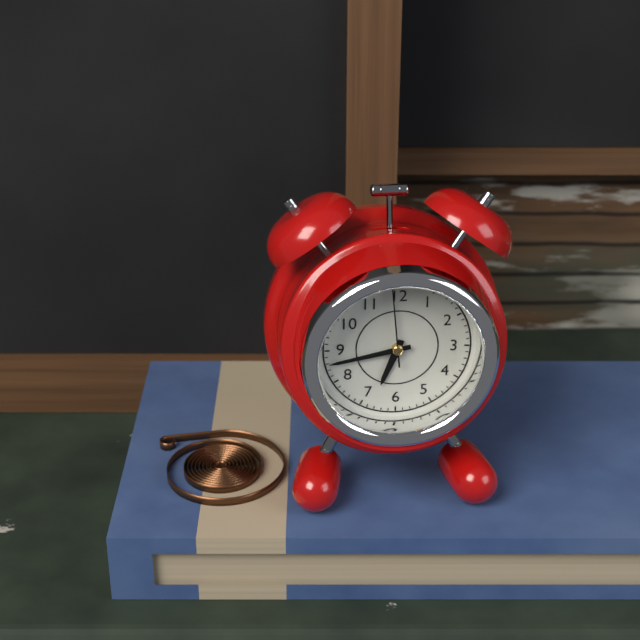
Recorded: h=6 m=43 s=59
